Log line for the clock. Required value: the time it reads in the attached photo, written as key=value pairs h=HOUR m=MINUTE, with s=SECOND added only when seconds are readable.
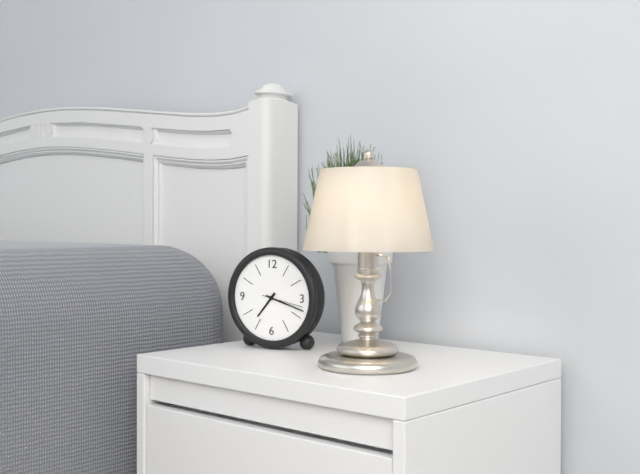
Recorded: h=7 m=18
